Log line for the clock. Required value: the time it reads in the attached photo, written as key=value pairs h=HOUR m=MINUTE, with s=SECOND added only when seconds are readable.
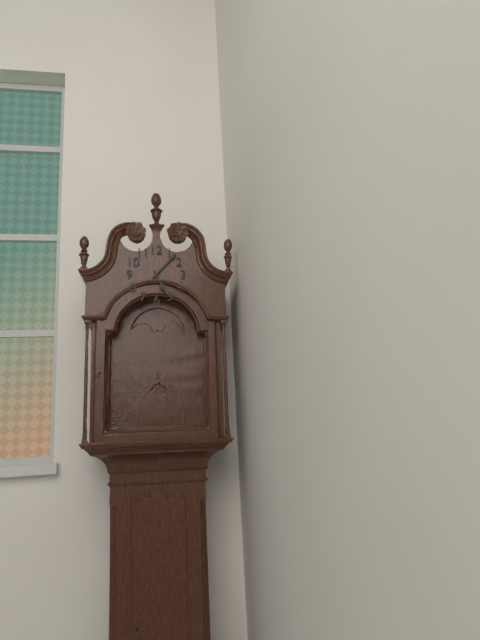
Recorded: h=5 m=7
